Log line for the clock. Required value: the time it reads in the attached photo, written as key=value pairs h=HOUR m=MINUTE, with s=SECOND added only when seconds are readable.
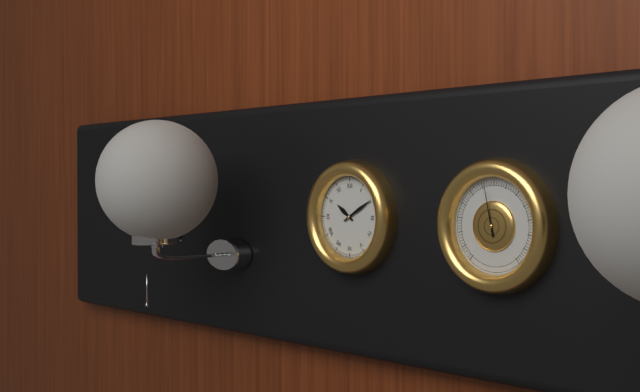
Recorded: h=10 m=10
